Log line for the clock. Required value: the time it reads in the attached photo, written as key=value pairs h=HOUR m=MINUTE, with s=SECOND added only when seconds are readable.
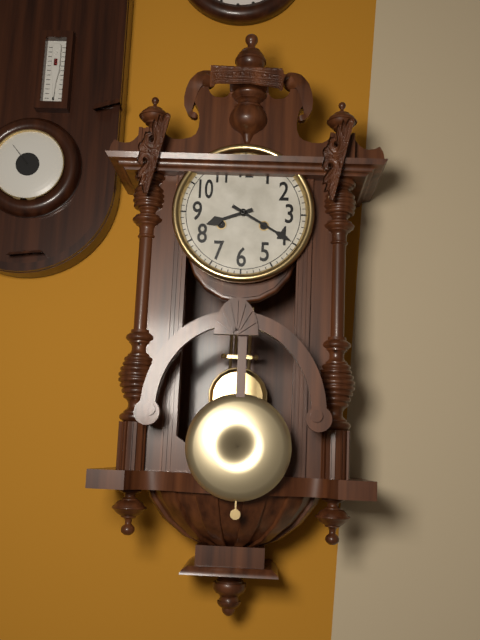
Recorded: h=8 m=20
